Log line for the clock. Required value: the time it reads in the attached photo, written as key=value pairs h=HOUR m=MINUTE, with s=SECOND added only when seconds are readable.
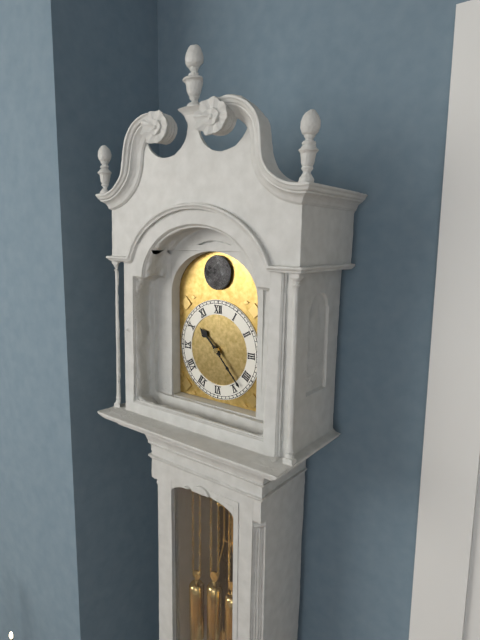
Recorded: h=10 m=23
